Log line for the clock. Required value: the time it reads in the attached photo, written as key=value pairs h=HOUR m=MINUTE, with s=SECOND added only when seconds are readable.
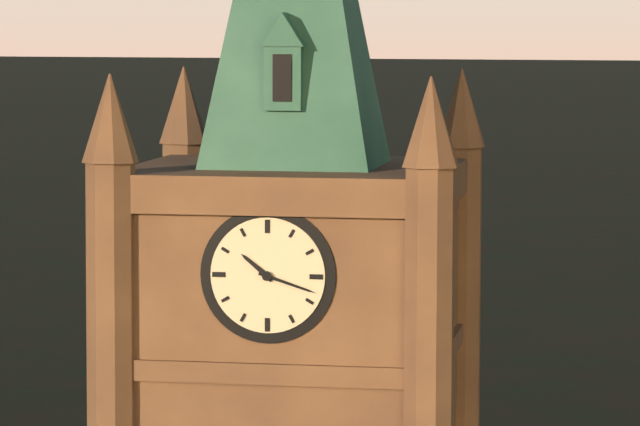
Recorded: h=10 m=18
